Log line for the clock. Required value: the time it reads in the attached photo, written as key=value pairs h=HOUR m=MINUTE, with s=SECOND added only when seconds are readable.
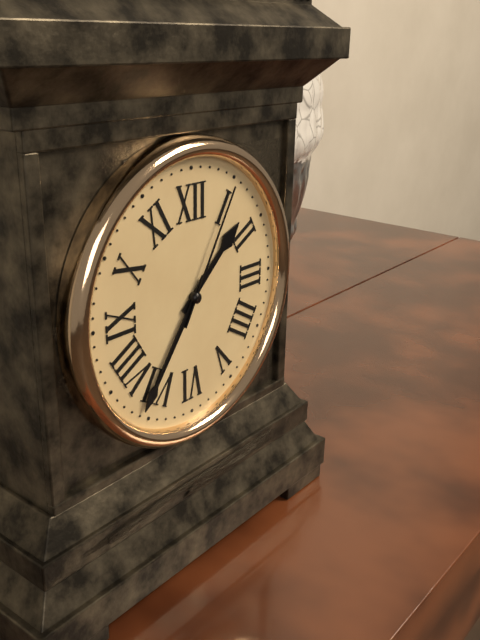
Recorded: h=1 m=36 s=5
